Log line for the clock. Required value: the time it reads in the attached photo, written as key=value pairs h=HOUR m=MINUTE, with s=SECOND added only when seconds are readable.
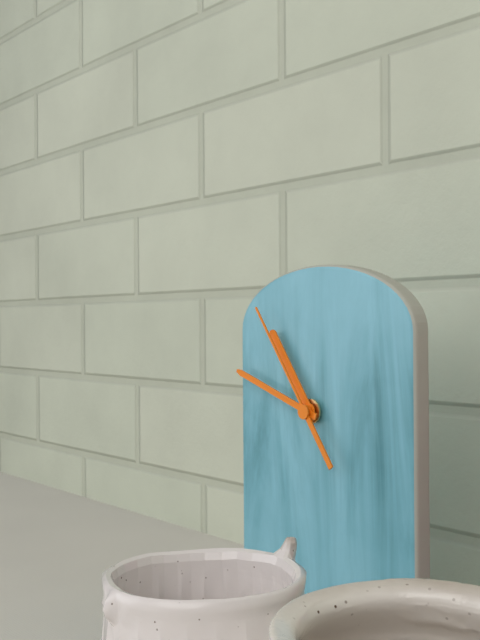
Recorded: h=10 m=48 s=54
